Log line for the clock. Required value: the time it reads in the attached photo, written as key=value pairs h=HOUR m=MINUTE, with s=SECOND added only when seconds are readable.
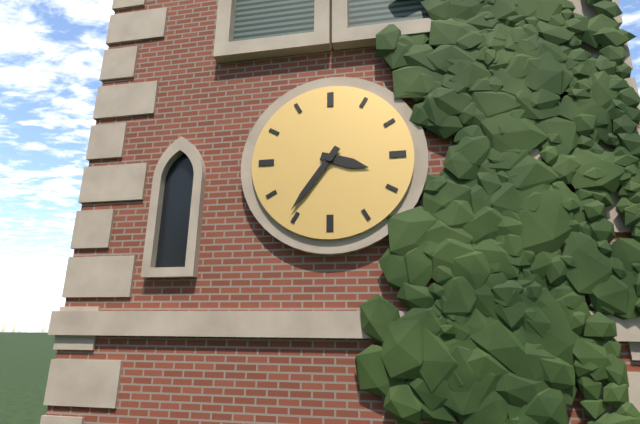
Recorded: h=3 m=36
